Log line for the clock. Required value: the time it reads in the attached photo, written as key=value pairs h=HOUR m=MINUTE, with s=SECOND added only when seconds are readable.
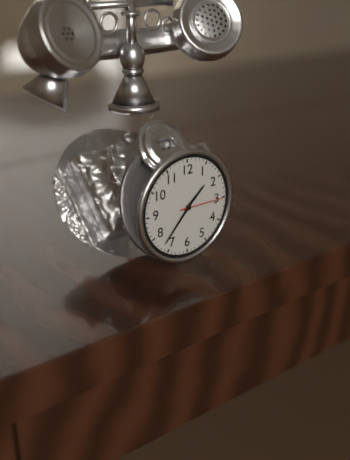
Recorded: h=1 m=37
